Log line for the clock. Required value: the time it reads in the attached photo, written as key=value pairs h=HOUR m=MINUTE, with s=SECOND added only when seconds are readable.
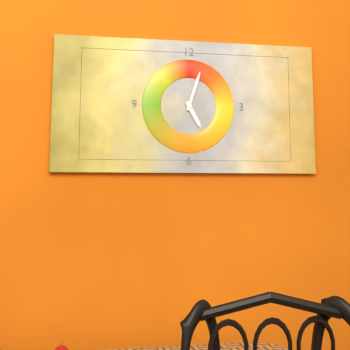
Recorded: h=5 m=3
